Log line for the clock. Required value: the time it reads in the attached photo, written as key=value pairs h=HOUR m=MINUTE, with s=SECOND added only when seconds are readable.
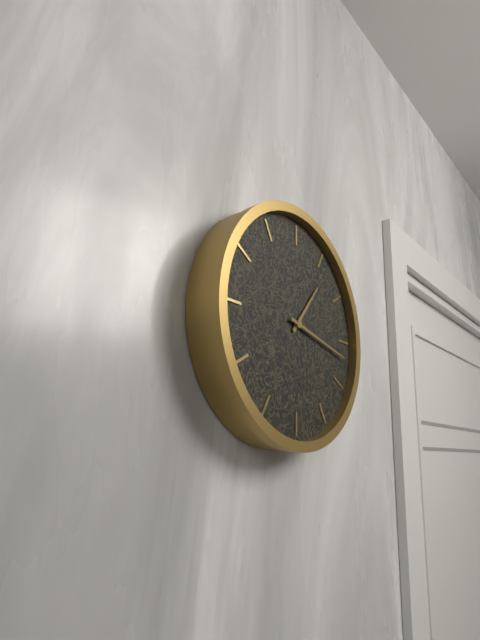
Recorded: h=1 m=17
